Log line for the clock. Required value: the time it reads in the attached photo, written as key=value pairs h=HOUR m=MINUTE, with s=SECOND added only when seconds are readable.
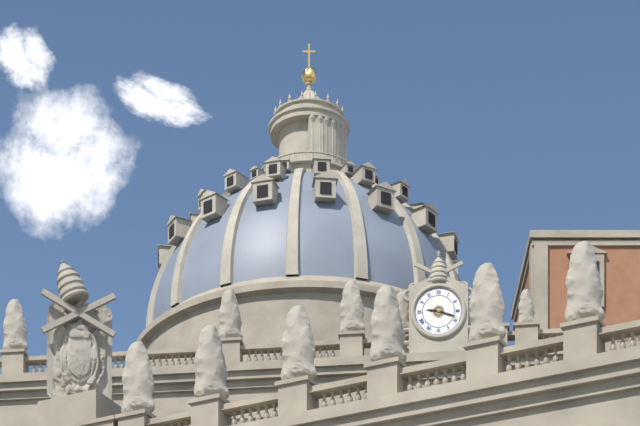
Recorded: h=9 m=18
